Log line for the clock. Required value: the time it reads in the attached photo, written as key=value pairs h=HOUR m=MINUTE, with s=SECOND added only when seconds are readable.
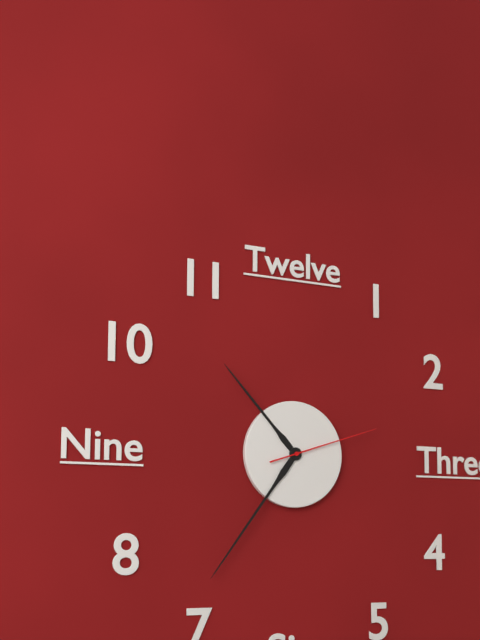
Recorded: h=10 m=36 s=12
